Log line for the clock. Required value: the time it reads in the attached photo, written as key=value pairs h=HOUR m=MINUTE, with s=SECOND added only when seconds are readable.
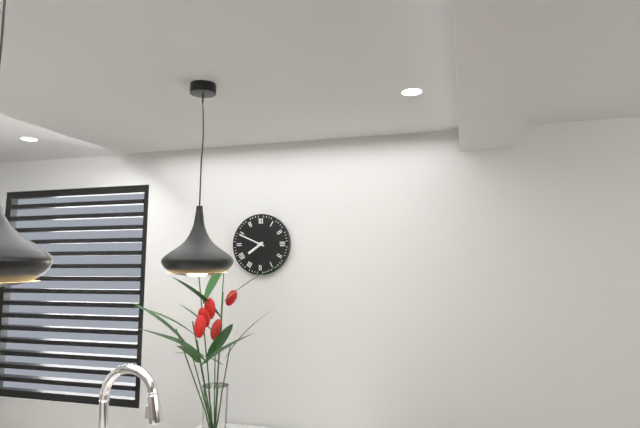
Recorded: h=7 m=49
